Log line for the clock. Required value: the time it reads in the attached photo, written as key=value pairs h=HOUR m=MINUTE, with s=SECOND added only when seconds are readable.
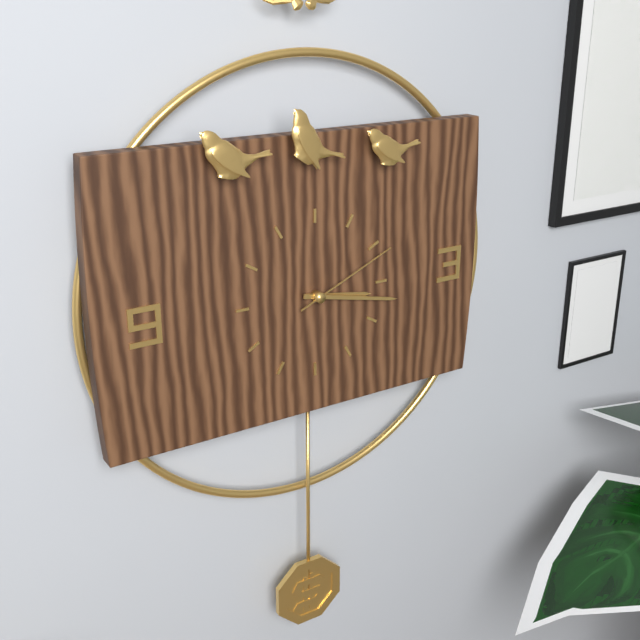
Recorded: h=3 m=17 s=11
